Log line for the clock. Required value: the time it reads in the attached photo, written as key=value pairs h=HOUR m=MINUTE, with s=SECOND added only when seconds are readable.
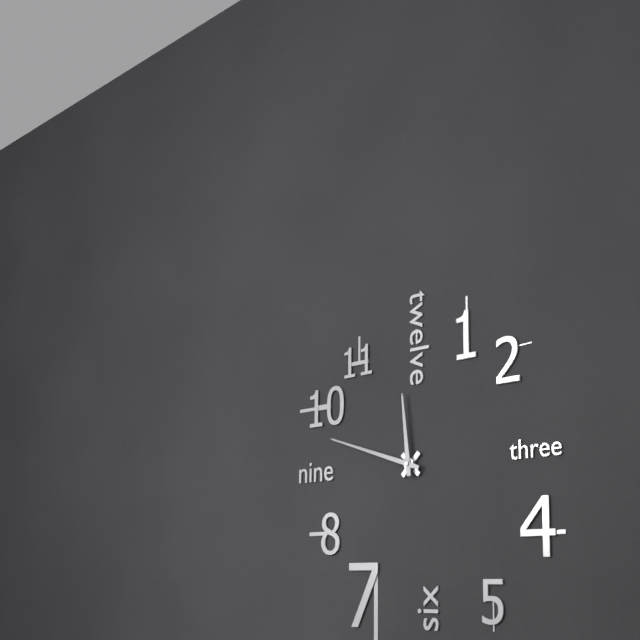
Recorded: h=11 m=48
